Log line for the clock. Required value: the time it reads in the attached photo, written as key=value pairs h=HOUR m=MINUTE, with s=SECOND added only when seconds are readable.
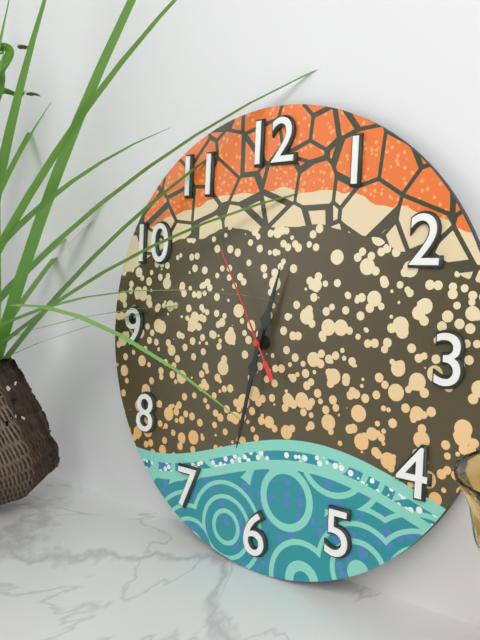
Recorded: h=12 m=32 s=55
